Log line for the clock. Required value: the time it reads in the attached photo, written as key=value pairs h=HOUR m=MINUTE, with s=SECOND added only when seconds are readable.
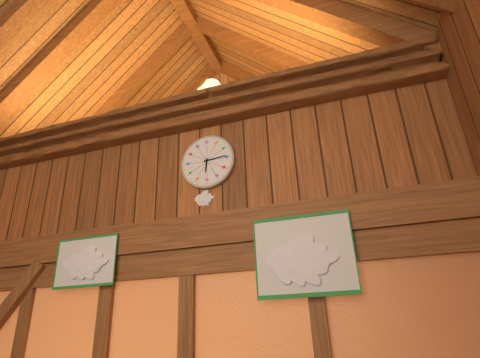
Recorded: h=6 m=14
